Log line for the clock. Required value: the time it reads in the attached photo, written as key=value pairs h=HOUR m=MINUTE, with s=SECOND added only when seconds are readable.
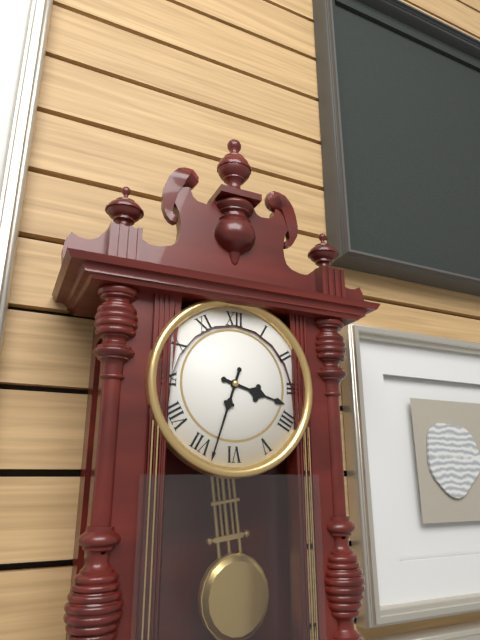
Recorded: h=3 m=33
